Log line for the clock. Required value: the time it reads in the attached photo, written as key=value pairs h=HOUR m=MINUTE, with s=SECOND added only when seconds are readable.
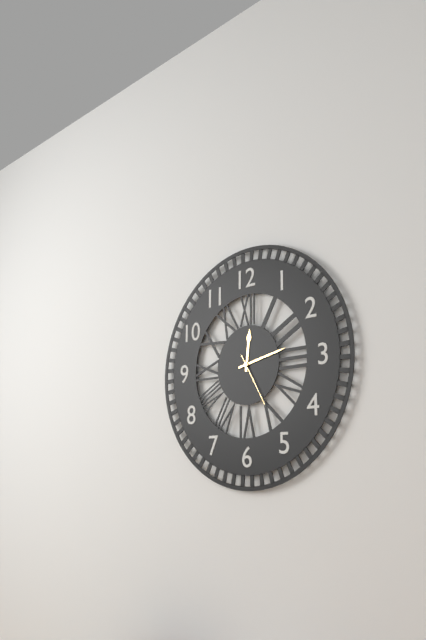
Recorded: h=12 m=13 s=25
